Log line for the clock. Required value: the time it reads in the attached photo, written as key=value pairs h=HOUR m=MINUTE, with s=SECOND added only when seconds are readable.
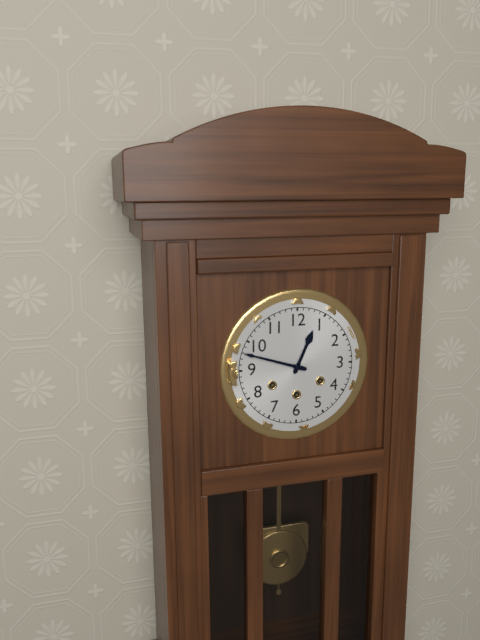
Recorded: h=12 m=48
